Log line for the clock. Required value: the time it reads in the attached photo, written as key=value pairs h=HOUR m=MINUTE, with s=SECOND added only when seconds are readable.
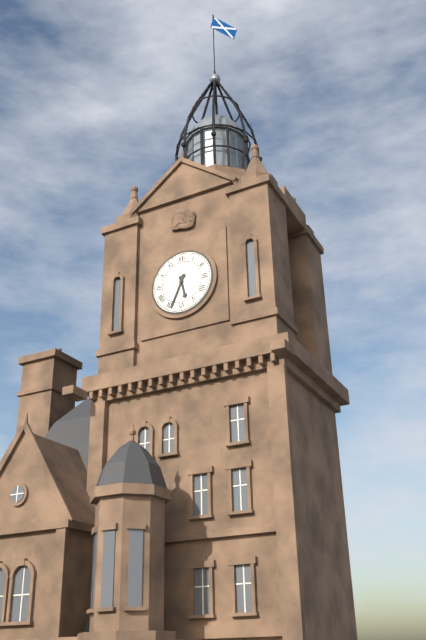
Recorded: h=5 m=34
